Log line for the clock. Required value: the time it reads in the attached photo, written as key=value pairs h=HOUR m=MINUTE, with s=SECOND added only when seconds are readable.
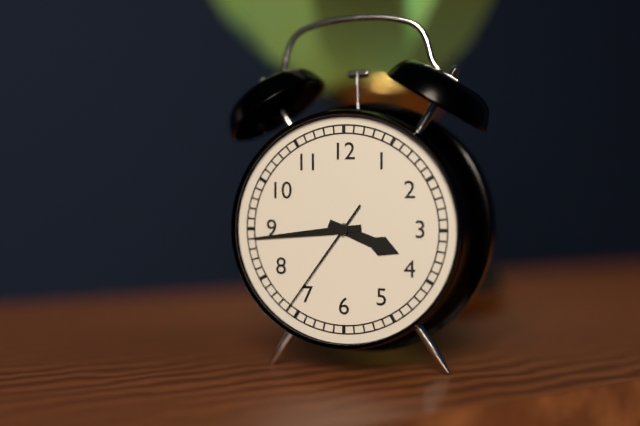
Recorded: h=3 m=44 s=36
